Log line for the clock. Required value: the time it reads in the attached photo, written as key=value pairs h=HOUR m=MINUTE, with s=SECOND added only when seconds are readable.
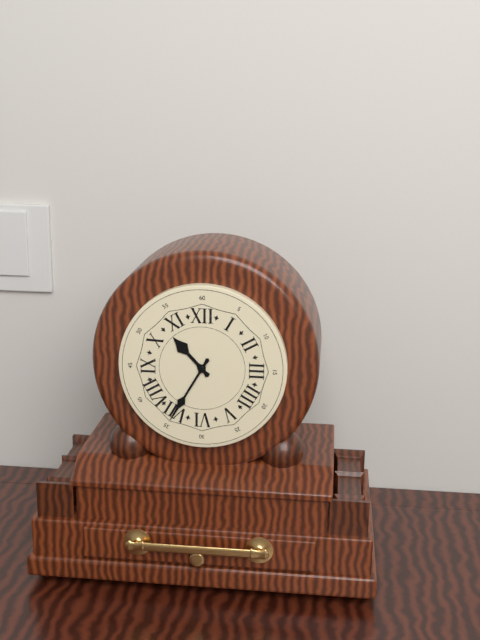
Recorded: h=10 m=35
